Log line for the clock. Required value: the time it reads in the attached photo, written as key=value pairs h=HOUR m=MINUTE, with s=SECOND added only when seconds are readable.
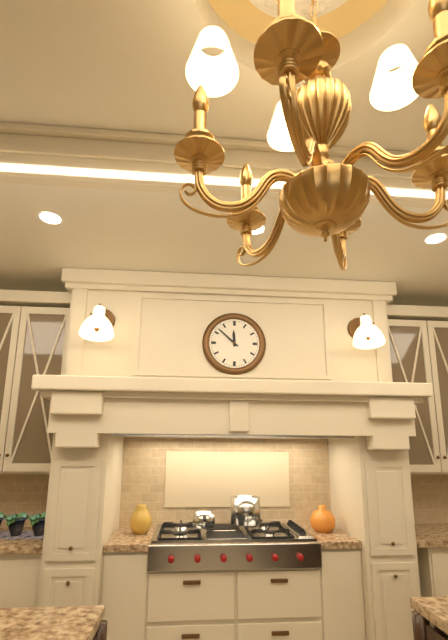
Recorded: h=11 m=52
